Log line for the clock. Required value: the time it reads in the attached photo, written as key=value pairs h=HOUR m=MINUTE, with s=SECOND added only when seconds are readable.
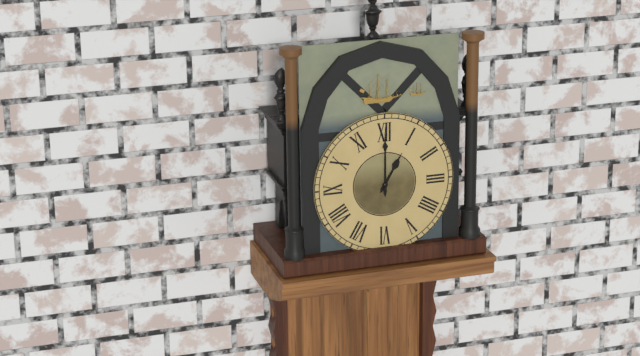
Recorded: h=1 m=0
